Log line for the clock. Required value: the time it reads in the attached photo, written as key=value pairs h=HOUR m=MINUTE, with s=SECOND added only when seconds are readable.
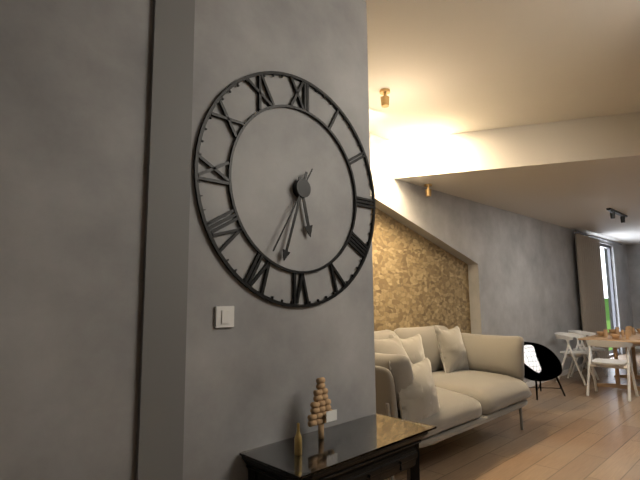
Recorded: h=5 m=33 s=35
